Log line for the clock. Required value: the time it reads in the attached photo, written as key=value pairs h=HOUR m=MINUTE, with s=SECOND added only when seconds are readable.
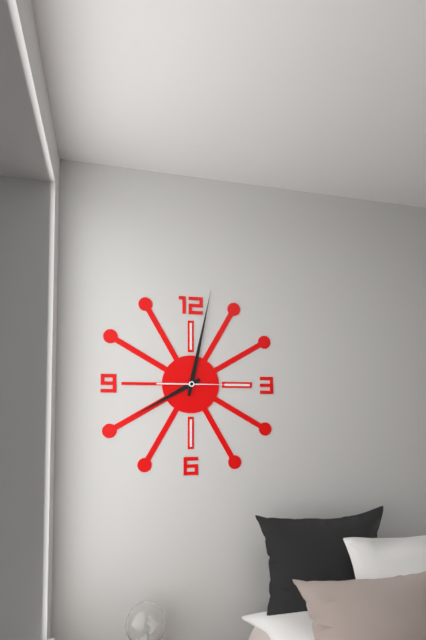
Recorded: h=8 m=2
